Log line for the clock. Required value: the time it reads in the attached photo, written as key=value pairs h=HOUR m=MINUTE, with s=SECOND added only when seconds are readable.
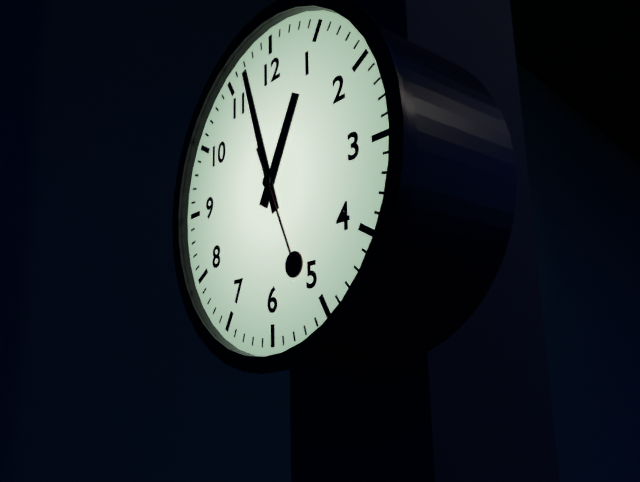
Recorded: h=12 m=57 s=26
